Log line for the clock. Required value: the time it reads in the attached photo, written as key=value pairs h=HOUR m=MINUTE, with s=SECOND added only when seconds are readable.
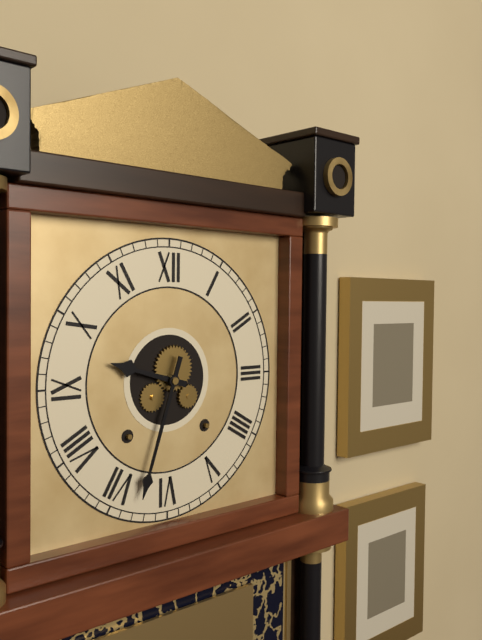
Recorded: h=9 m=33
